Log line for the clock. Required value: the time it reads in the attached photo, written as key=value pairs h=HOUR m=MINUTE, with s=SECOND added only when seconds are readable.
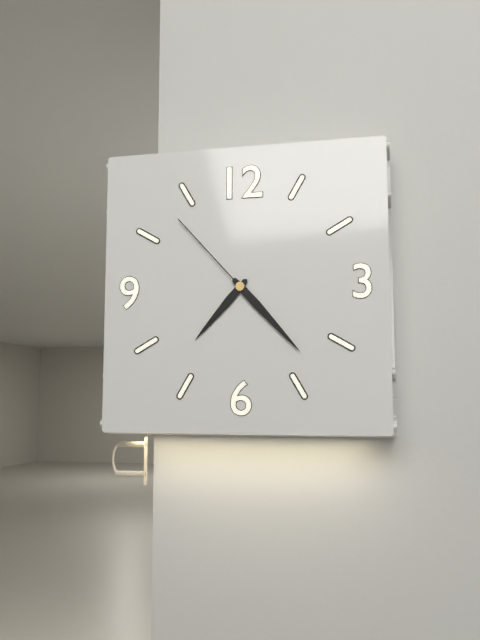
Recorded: h=7 m=23 s=53
